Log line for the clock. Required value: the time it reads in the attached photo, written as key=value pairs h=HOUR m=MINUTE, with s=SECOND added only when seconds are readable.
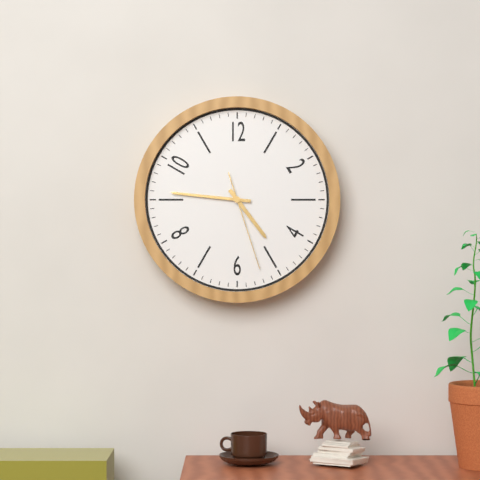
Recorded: h=4 m=46 s=27
